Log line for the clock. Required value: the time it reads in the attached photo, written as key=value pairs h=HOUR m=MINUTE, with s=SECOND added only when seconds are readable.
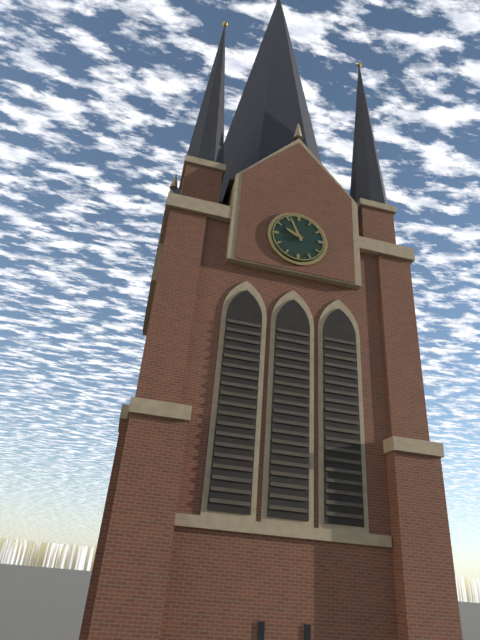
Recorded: h=9 m=56
